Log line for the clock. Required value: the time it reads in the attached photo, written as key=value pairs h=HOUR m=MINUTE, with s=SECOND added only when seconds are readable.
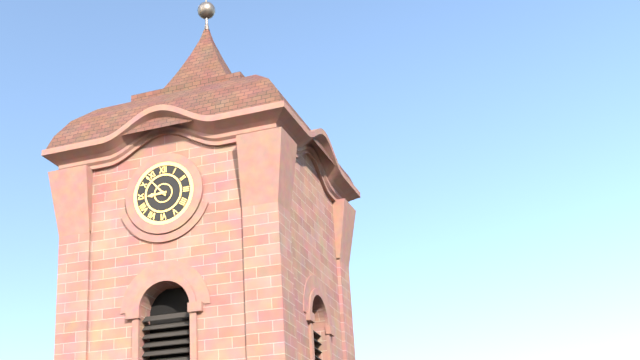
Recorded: h=8 m=53
